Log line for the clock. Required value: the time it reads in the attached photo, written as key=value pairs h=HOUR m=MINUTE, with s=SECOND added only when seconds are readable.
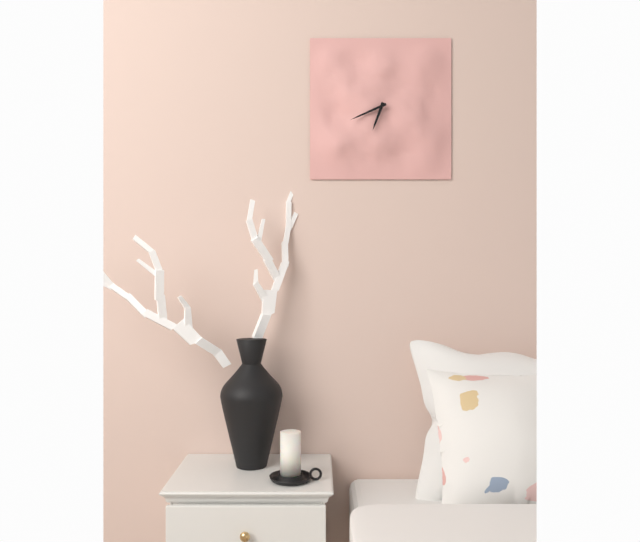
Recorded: h=6 m=41
